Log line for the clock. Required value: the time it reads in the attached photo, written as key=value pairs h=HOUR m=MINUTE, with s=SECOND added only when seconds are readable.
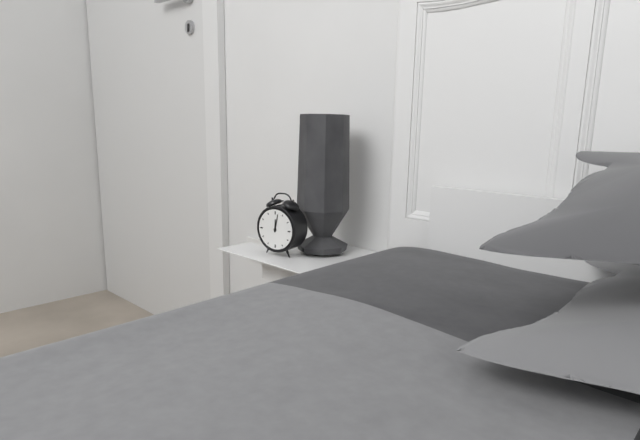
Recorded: h=12 m=2
